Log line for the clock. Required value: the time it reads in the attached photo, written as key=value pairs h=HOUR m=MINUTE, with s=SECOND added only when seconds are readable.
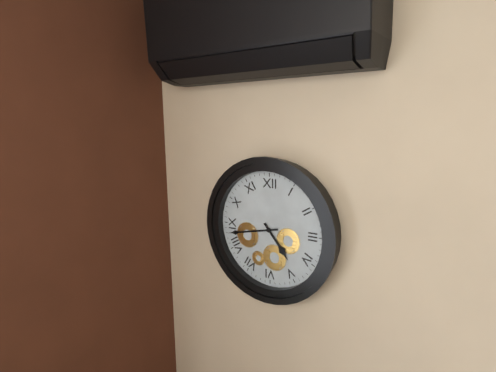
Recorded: h=4 m=43
